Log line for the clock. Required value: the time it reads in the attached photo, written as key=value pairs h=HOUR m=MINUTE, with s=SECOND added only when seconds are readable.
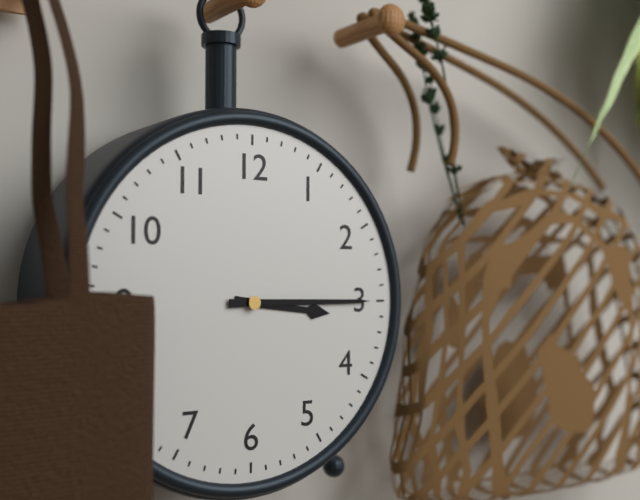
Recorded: h=3 m=15
